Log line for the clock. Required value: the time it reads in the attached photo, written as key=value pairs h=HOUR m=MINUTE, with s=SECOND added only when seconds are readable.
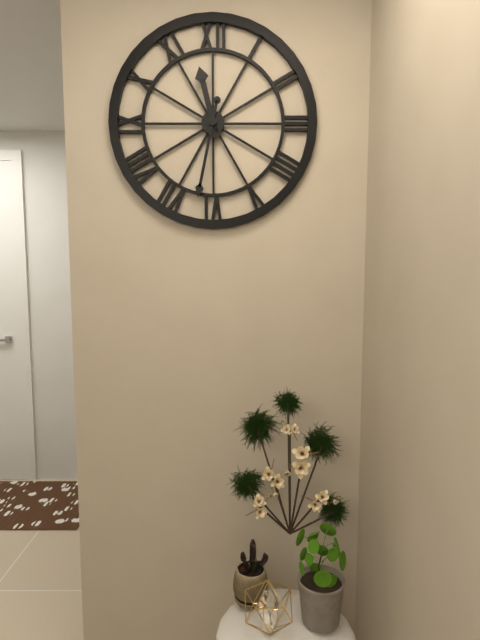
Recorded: h=11 m=32
